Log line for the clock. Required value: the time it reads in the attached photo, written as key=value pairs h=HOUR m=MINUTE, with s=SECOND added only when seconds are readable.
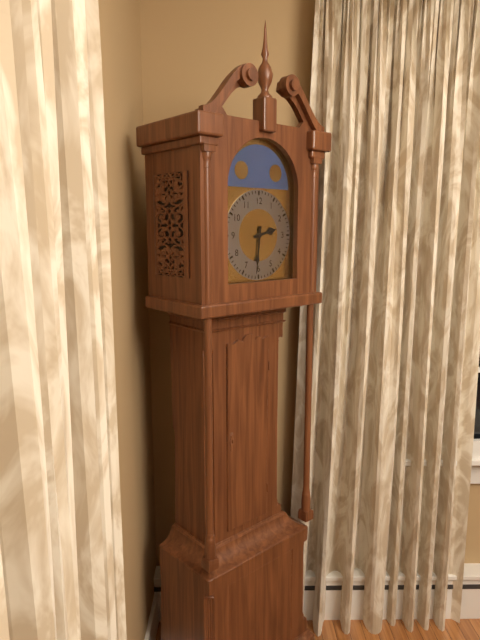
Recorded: h=2 m=31
